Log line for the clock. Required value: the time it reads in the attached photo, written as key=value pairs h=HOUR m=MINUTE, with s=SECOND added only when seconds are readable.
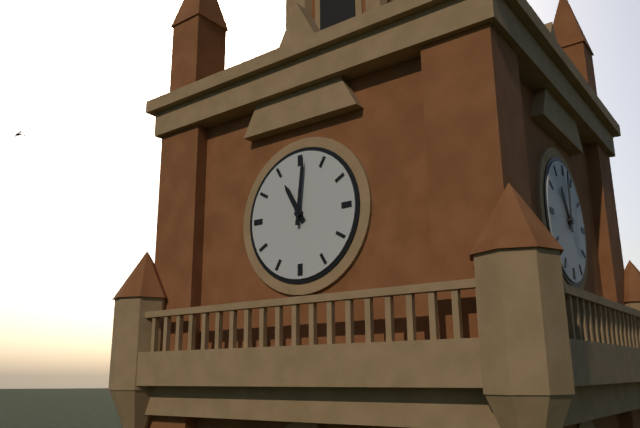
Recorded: h=11 m=1
